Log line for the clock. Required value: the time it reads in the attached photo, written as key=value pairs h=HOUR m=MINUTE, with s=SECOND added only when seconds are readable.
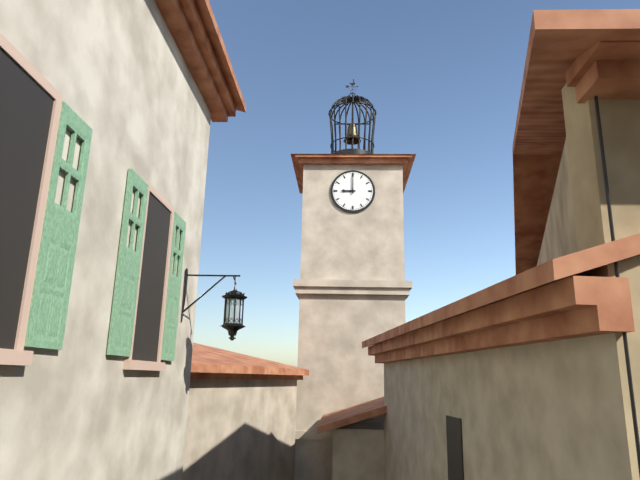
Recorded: h=9 m=0
